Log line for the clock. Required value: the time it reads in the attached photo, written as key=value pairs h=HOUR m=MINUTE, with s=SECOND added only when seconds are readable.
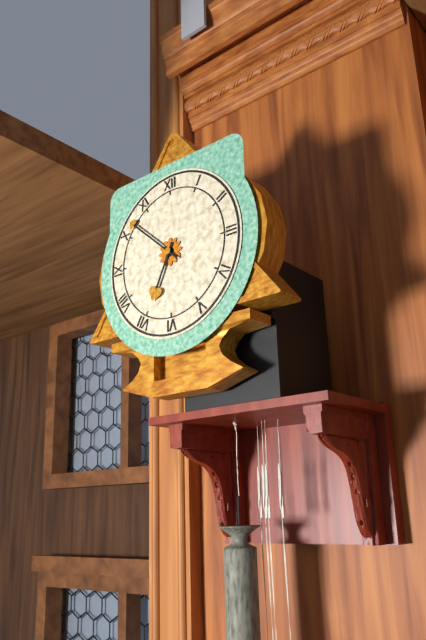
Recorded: h=6 m=52
